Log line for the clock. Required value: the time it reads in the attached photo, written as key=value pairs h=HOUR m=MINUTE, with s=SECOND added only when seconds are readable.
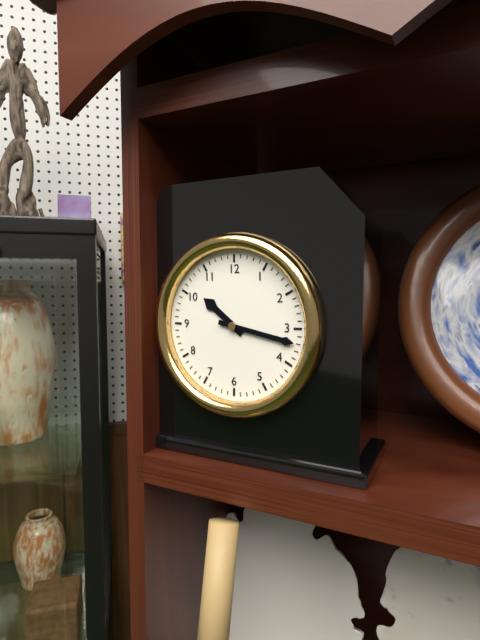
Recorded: h=10 m=17
